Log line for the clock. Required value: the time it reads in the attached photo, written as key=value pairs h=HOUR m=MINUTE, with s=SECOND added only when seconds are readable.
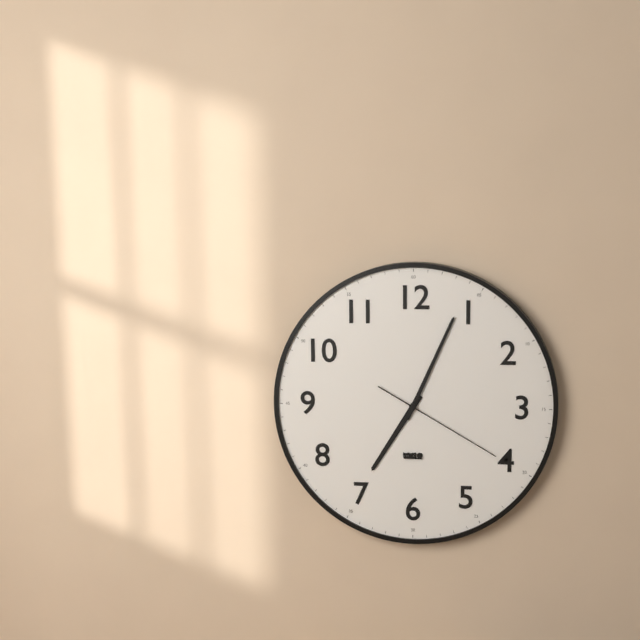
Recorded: h=7 m=4 s=20
